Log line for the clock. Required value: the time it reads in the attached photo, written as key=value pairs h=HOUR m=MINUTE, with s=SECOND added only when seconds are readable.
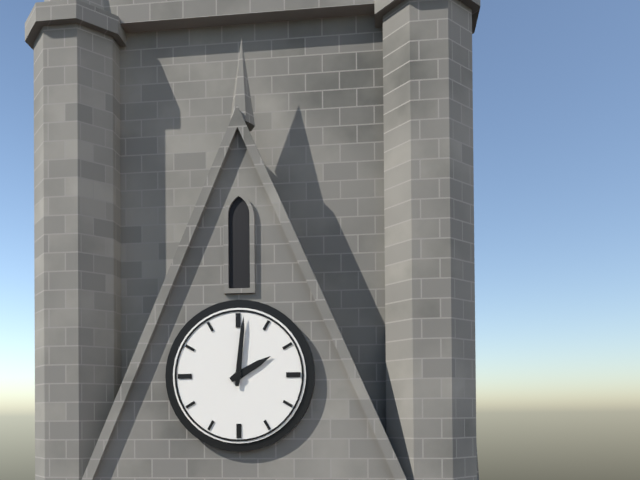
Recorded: h=2 m=1
